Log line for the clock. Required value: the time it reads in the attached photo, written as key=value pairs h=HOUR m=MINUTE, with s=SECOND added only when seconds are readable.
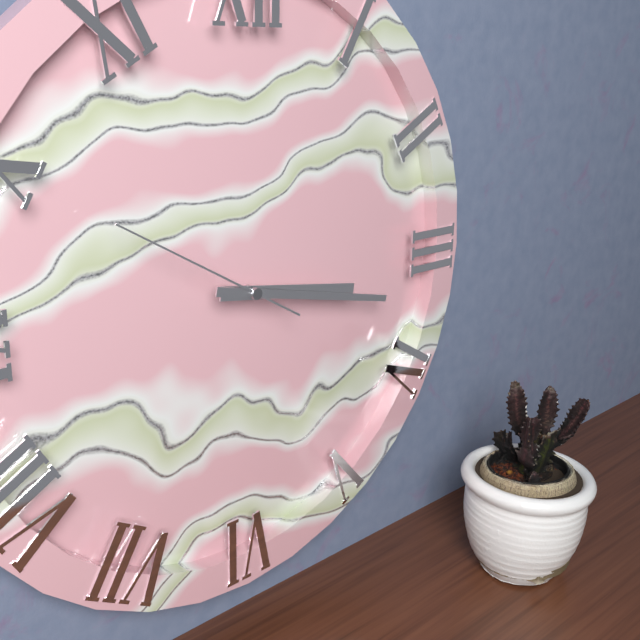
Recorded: h=3 m=17 s=50
